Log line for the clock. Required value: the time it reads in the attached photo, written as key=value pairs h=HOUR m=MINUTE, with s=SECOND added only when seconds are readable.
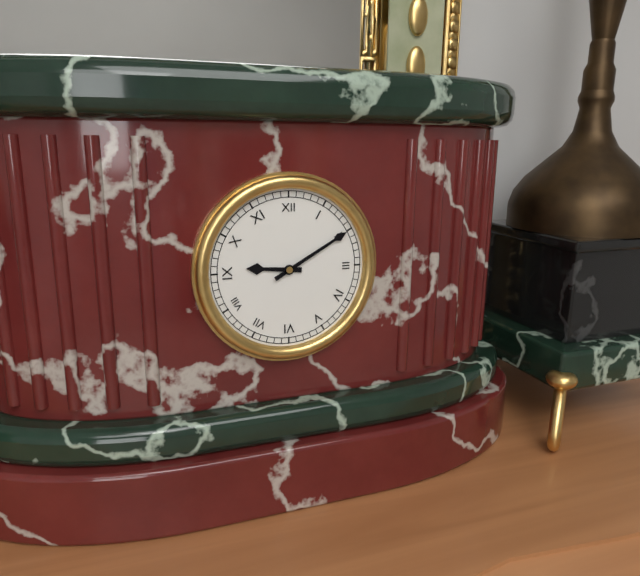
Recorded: h=9 m=10
